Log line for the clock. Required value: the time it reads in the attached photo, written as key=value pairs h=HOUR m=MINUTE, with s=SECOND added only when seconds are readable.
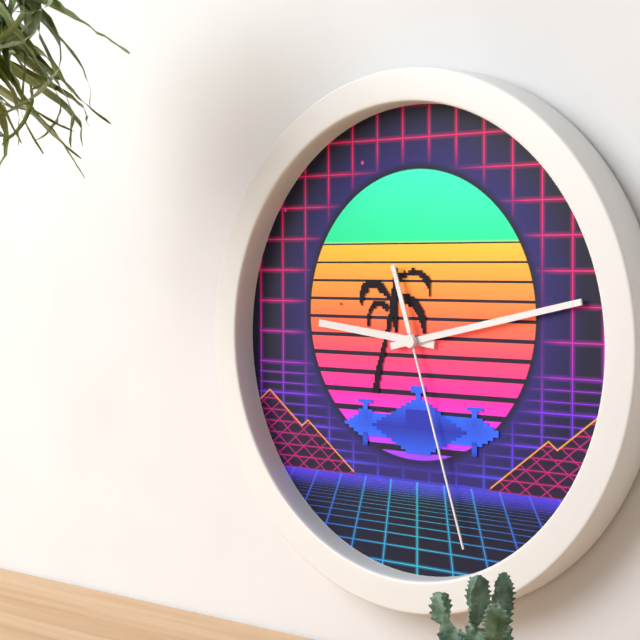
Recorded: h=9 m=13 s=27
